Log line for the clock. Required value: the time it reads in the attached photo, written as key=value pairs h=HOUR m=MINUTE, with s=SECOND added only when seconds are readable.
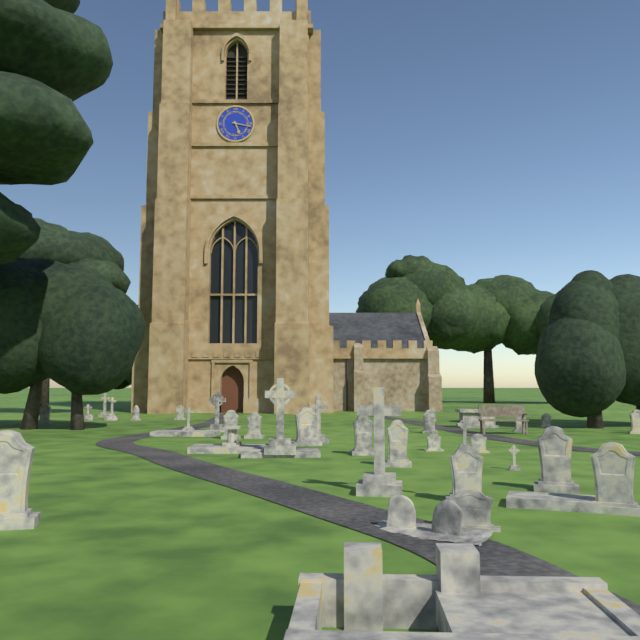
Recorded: h=5 m=17
